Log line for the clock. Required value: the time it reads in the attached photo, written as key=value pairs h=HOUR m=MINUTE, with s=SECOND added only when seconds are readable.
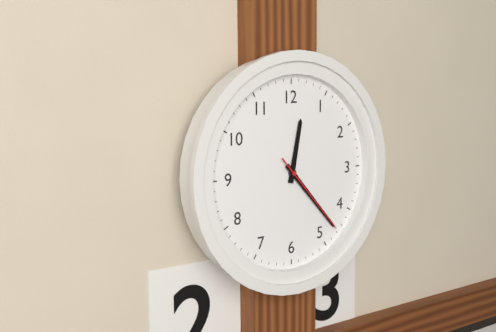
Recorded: h=12 m=23 s=23
